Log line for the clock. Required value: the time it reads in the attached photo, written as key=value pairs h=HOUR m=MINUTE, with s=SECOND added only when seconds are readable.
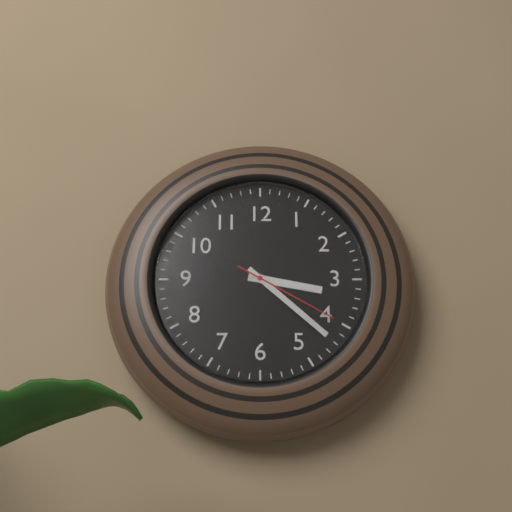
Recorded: h=3 m=22 s=20
